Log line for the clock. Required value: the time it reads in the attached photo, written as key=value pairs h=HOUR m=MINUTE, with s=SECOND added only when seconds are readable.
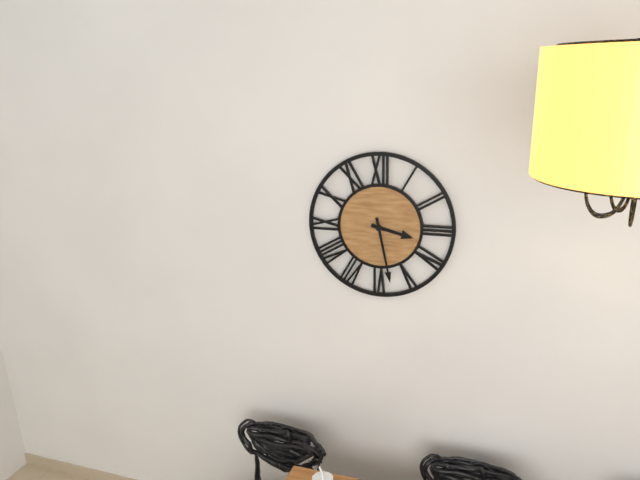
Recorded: h=3 m=28
